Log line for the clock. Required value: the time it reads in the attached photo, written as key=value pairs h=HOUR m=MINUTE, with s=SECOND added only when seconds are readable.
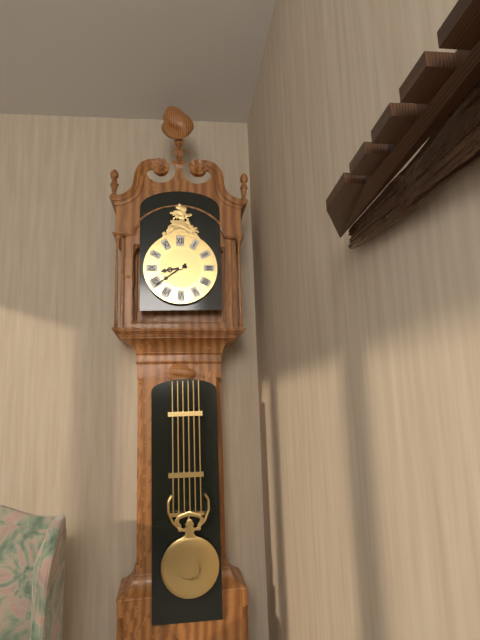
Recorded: h=8 m=39
